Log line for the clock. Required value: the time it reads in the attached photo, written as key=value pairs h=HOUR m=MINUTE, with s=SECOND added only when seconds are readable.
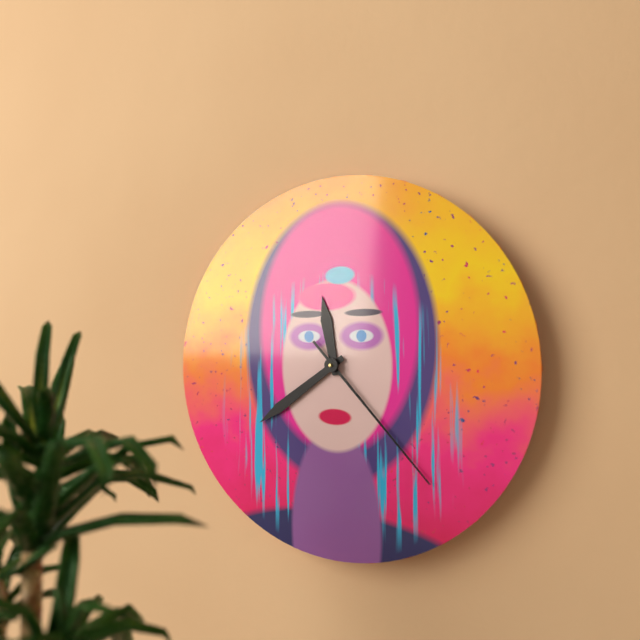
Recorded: h=11 m=39 s=23
